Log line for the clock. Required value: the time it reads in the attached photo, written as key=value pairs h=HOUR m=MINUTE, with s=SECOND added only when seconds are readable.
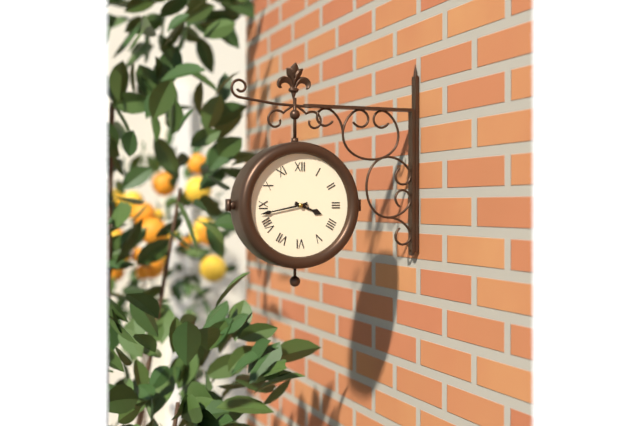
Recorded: h=3 m=43
